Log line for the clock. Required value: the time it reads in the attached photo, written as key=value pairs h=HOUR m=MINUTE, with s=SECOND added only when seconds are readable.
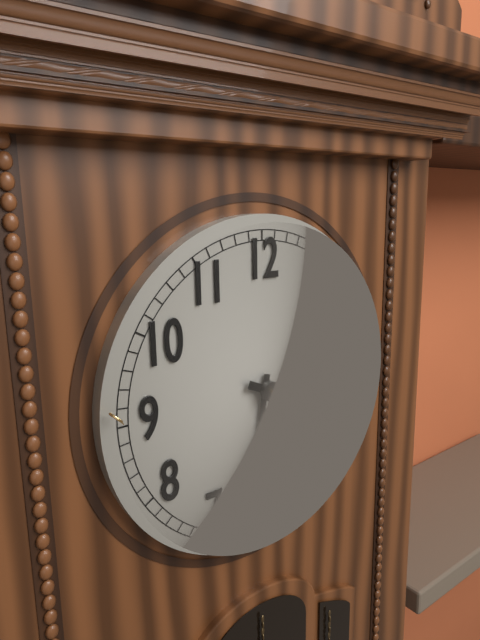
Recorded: h=6 m=19
